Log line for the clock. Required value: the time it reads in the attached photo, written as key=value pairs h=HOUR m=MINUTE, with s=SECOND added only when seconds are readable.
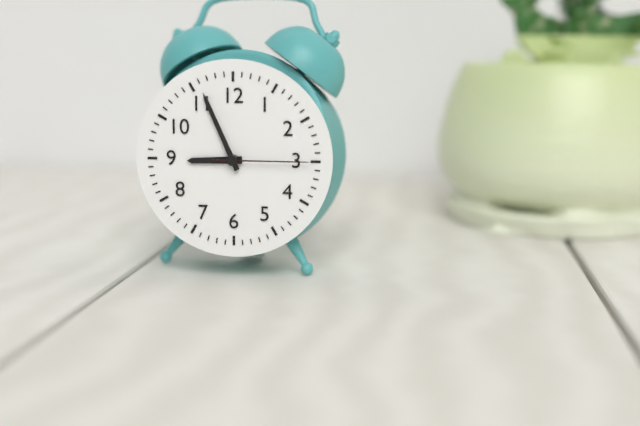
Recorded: h=8 m=56 s=15
